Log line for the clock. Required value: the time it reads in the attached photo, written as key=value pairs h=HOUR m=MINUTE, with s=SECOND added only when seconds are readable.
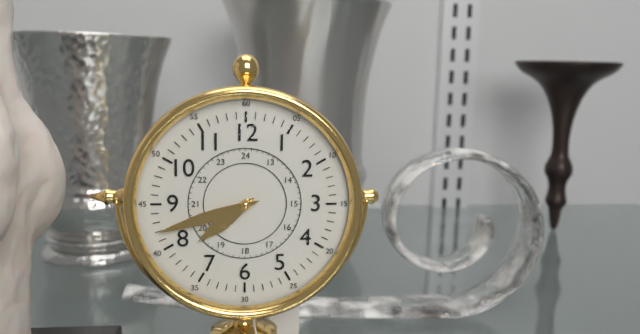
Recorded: h=7 m=42
